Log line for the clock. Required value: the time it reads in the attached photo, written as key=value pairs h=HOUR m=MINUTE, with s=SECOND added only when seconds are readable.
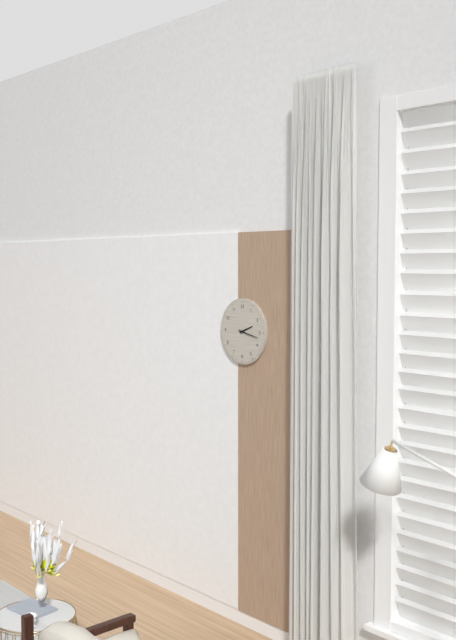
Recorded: h=2 m=17
